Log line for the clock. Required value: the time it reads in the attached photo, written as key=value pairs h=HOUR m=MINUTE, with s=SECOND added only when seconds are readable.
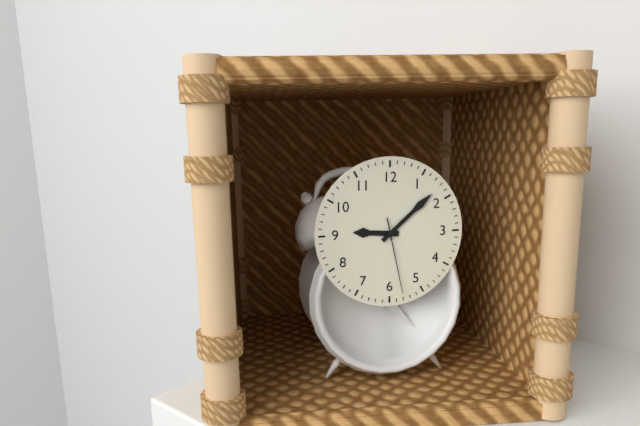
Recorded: h=9 m=8 s=28
